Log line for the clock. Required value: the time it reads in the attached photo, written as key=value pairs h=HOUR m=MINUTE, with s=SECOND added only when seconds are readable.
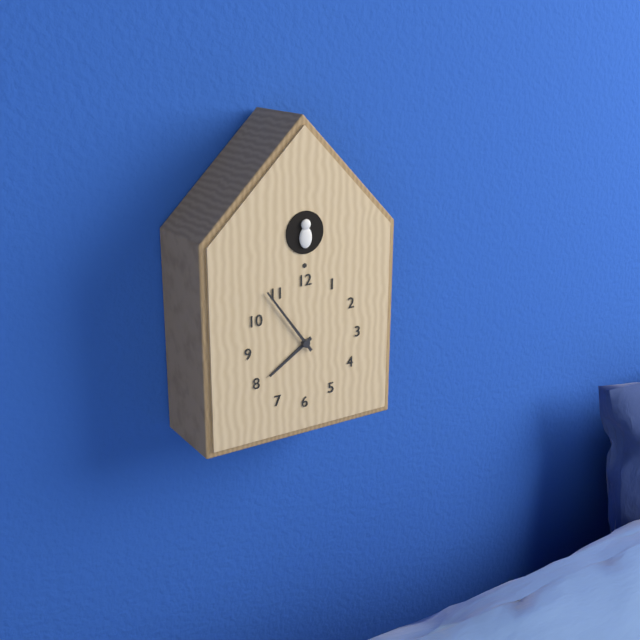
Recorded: h=7 m=54
